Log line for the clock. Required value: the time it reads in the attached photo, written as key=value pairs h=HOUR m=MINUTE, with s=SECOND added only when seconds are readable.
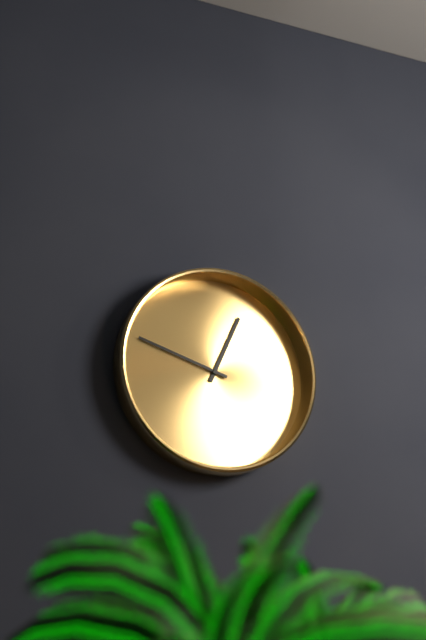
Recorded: h=12 m=48
